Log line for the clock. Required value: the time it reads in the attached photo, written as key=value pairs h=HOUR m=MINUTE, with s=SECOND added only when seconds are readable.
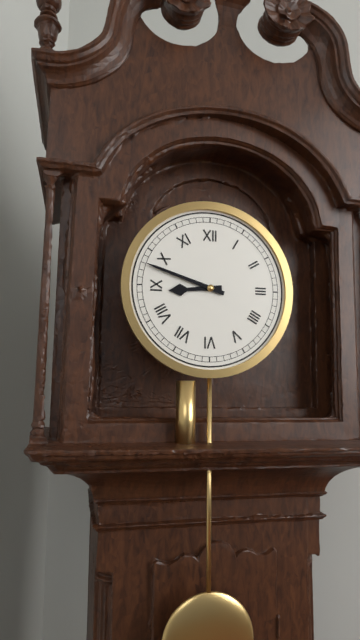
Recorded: h=8 m=48
